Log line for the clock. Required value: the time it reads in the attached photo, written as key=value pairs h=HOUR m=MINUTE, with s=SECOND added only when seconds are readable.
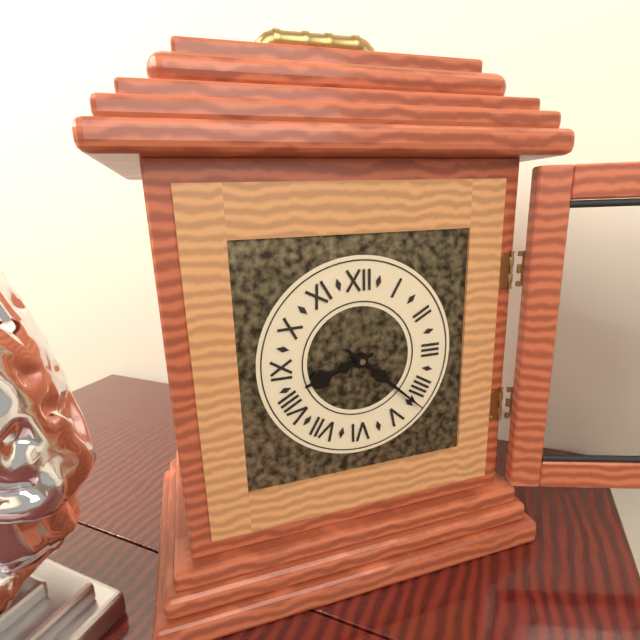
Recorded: h=8 m=22
